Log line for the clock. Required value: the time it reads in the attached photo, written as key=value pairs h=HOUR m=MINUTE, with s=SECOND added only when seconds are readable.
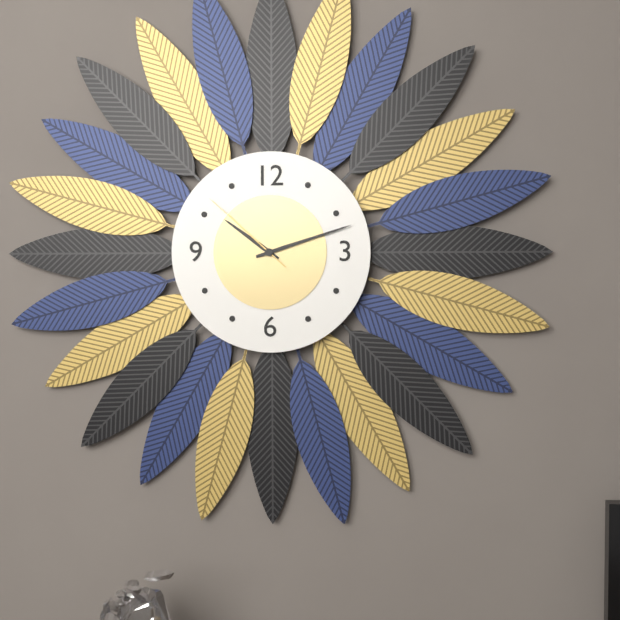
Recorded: h=10 m=12 s=52
